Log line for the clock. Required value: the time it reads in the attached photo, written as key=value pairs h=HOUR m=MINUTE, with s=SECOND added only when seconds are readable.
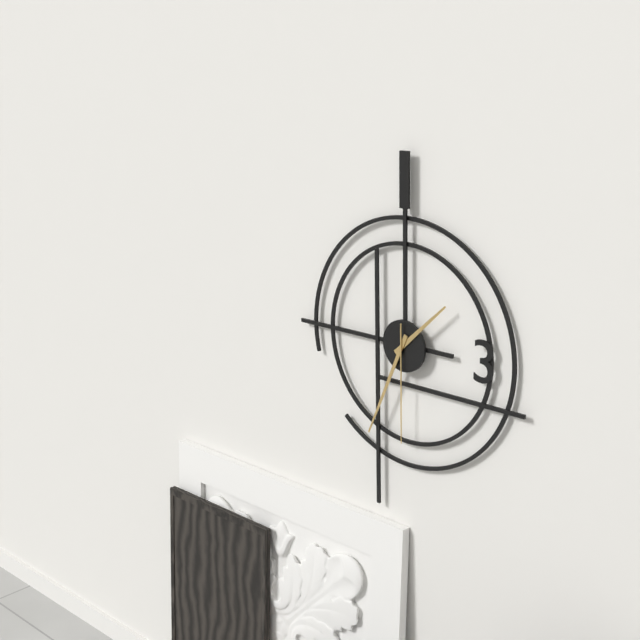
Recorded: h=1 m=34 s=30
